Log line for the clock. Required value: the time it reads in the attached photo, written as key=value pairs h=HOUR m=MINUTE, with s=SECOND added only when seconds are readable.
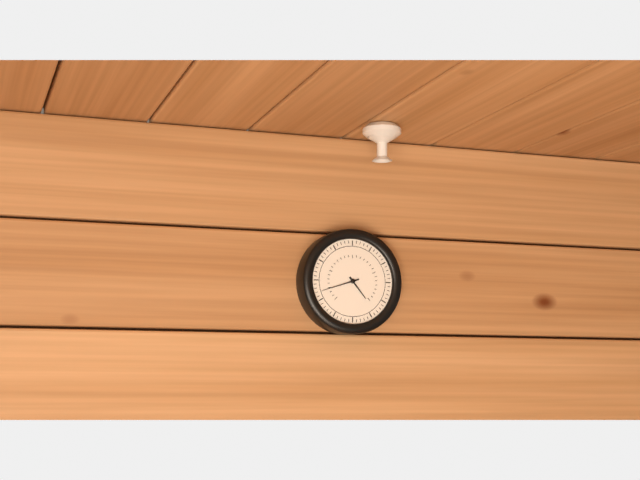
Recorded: h=4 m=42
